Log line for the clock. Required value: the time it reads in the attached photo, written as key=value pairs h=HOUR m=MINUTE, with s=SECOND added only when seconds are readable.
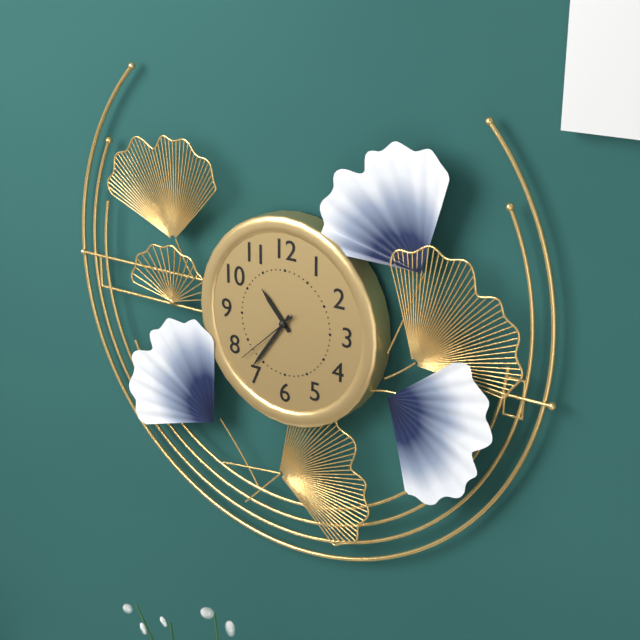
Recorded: h=10 m=36 s=38
